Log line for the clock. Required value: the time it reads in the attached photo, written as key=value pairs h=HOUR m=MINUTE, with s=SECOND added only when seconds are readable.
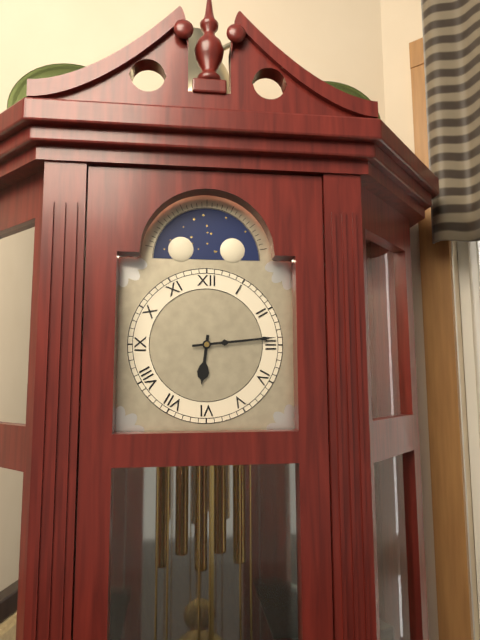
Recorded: h=6 m=14
